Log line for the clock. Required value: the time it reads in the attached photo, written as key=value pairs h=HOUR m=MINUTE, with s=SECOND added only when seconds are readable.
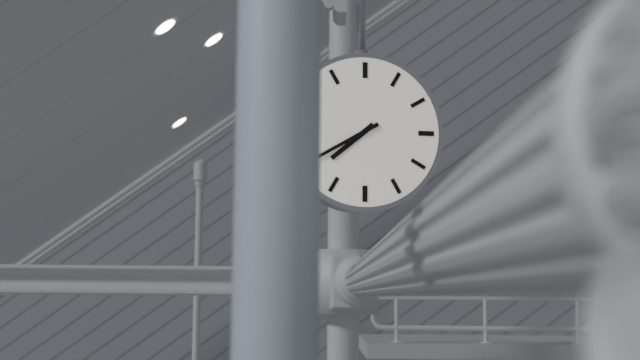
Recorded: h=7 m=40
